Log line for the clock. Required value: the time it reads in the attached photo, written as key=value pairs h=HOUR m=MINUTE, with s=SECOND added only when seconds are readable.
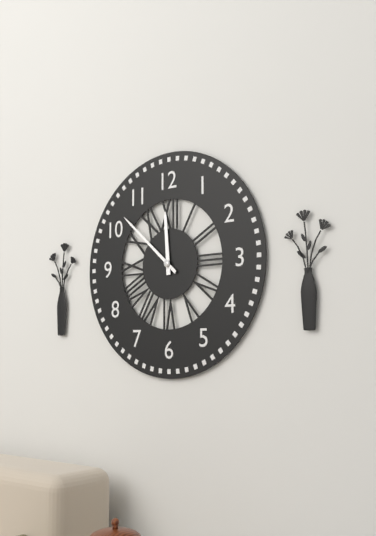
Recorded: h=11 m=52
